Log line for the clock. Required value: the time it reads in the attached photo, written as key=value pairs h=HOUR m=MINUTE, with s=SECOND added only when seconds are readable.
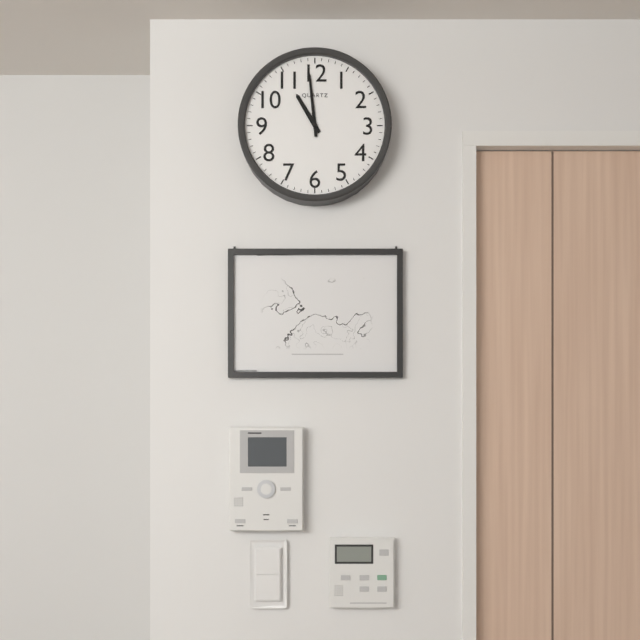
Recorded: h=10 m=59
